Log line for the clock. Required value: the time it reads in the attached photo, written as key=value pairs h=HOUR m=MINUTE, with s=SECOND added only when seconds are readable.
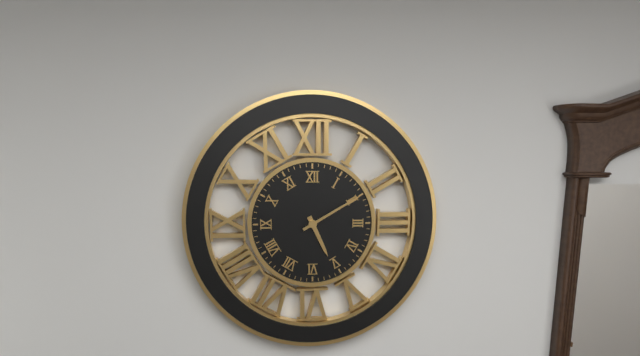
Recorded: h=5 m=10
